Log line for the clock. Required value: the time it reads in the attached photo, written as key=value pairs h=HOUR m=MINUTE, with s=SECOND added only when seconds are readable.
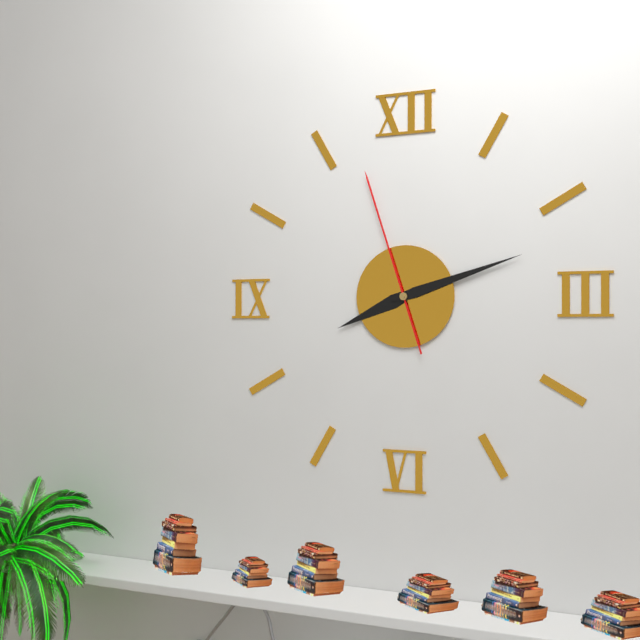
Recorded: h=8 m=12 s=57
